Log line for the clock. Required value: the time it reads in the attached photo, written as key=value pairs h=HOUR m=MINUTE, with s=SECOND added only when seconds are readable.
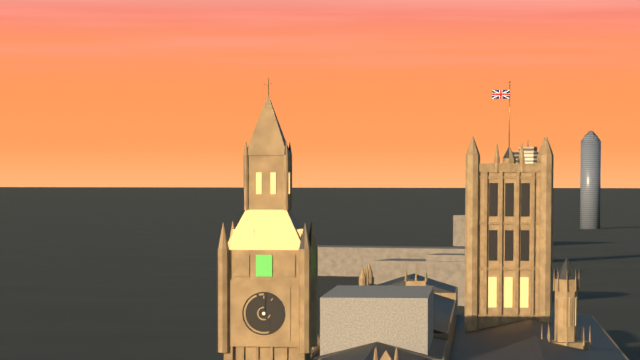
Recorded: h=5 m=1
